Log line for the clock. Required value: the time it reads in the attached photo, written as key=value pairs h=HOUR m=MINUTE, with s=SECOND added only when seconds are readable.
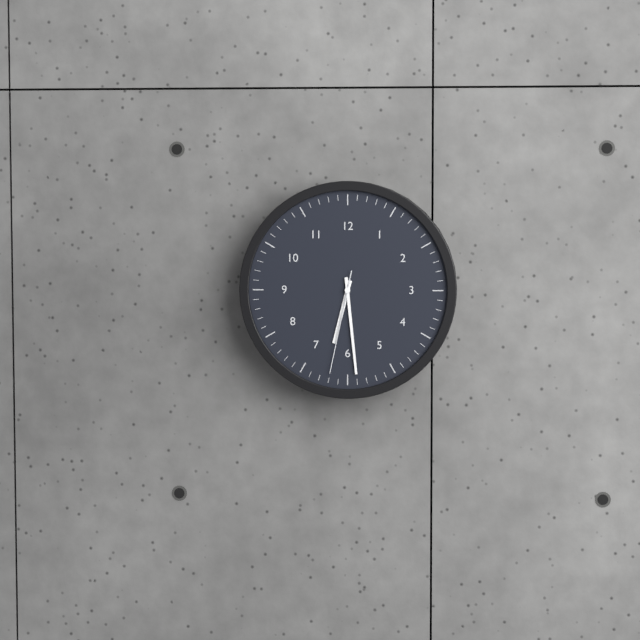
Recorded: h=6 m=29 s=32
